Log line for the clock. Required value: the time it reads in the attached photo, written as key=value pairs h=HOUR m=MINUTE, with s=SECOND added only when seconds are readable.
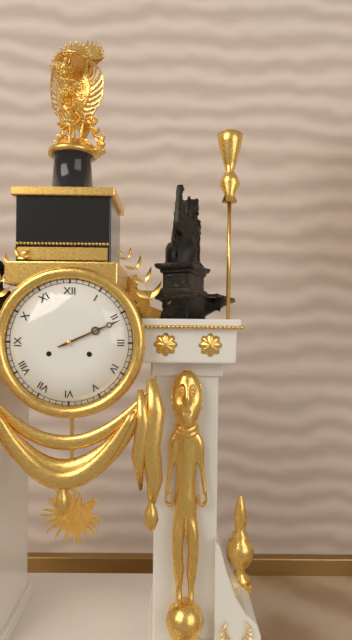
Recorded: h=2 m=11
